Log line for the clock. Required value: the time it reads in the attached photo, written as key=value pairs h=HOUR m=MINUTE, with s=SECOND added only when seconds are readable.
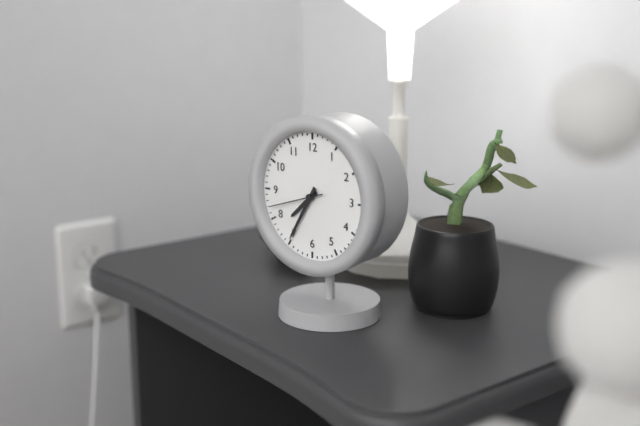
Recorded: h=7 m=35 s=42
